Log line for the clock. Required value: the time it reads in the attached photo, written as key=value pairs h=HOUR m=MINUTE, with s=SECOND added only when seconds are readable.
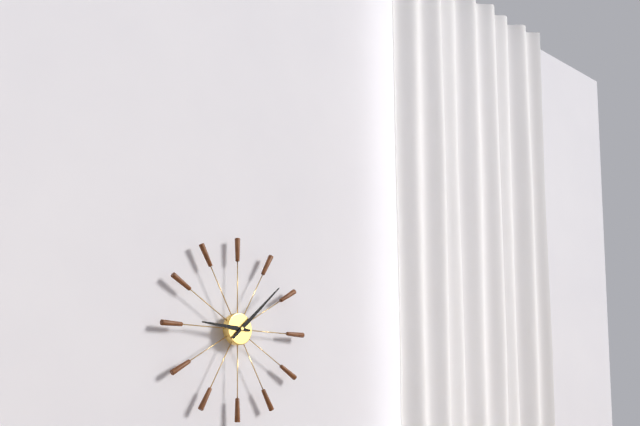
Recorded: h=9 m=8
